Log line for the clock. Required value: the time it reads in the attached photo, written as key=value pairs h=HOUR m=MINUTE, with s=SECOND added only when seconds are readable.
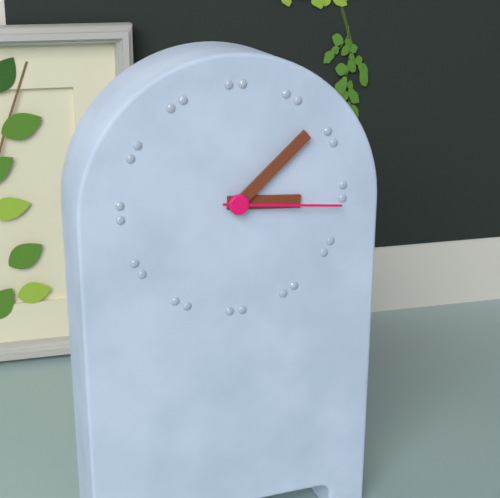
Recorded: h=3 m=8 s=16
